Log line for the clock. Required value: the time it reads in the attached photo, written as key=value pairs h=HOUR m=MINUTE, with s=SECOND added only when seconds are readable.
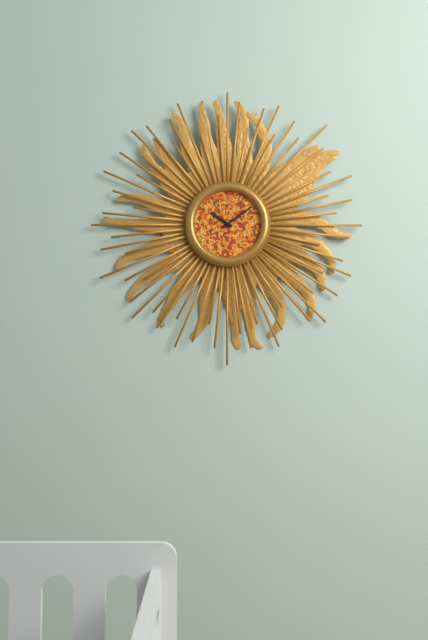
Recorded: h=10 m=9
